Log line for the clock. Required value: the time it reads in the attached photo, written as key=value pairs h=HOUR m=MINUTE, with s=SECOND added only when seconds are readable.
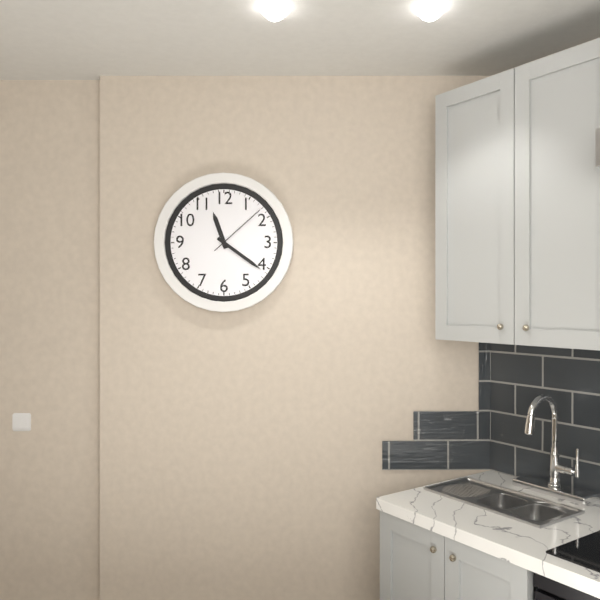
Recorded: h=11 m=21 s=8
